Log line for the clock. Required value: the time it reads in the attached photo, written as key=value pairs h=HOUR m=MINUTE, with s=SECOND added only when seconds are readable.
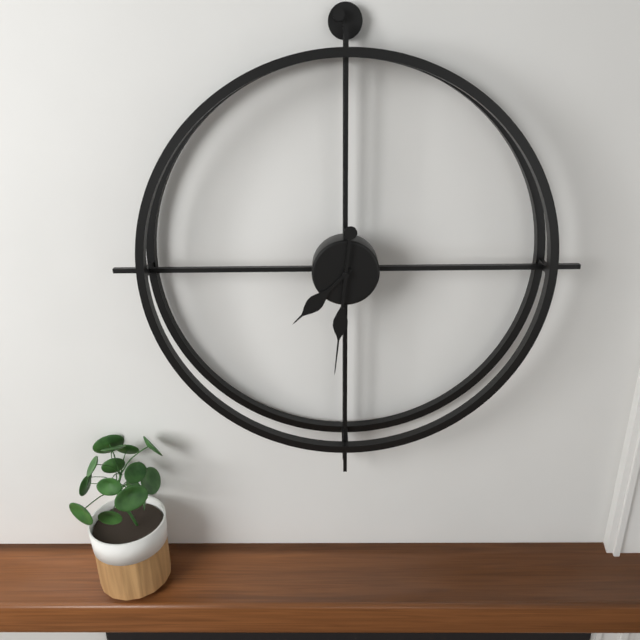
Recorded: h=7 m=31
